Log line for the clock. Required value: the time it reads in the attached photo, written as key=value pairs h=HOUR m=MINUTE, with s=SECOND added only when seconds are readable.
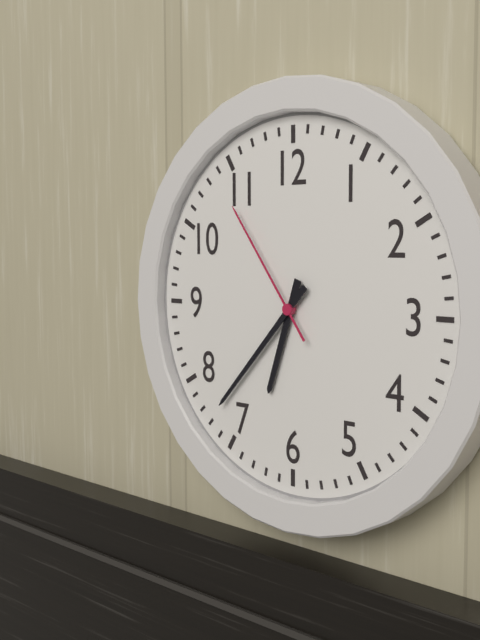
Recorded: h=6 m=37 s=54
